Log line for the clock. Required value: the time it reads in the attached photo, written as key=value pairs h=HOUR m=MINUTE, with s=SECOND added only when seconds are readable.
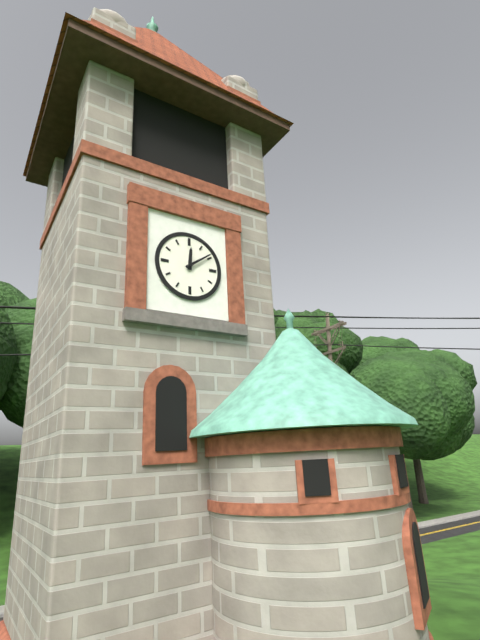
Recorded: h=12 m=9
